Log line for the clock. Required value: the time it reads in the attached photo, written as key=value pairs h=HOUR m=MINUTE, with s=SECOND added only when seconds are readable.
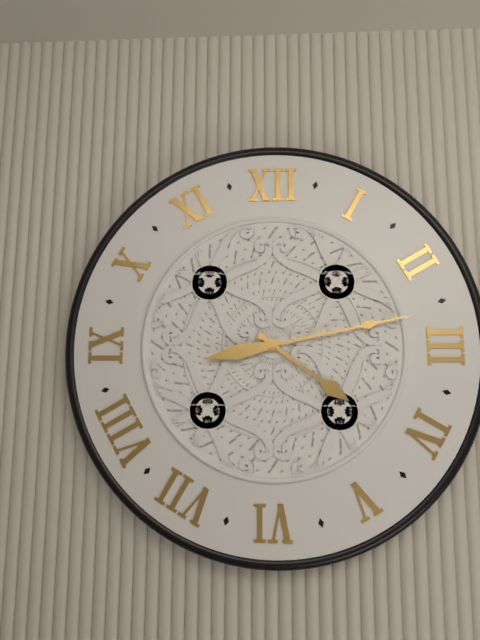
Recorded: h=4 m=13
